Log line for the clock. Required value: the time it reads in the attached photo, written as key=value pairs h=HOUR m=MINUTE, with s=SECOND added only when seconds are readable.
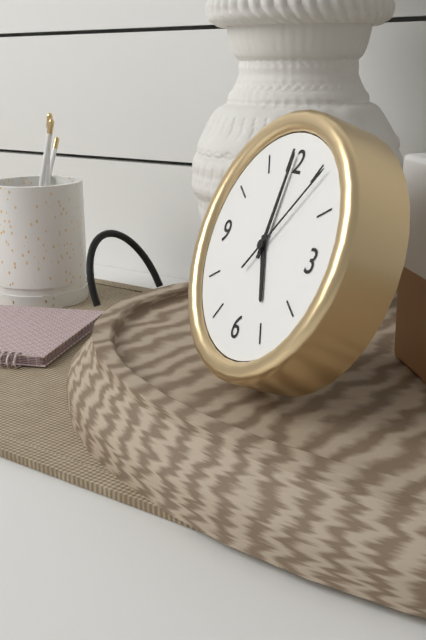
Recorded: h=5 m=0 s=6
